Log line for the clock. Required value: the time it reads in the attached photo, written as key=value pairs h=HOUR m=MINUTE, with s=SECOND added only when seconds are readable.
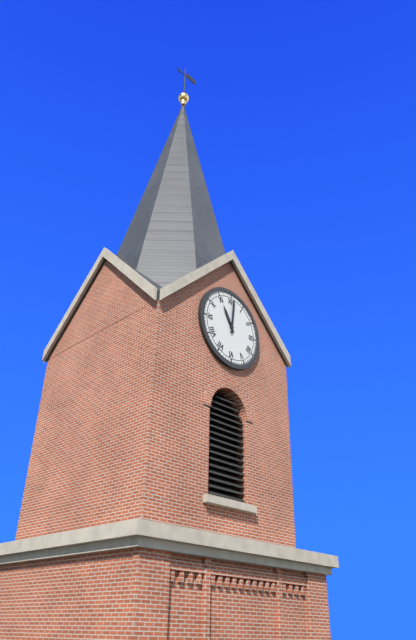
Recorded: h=11 m=1
